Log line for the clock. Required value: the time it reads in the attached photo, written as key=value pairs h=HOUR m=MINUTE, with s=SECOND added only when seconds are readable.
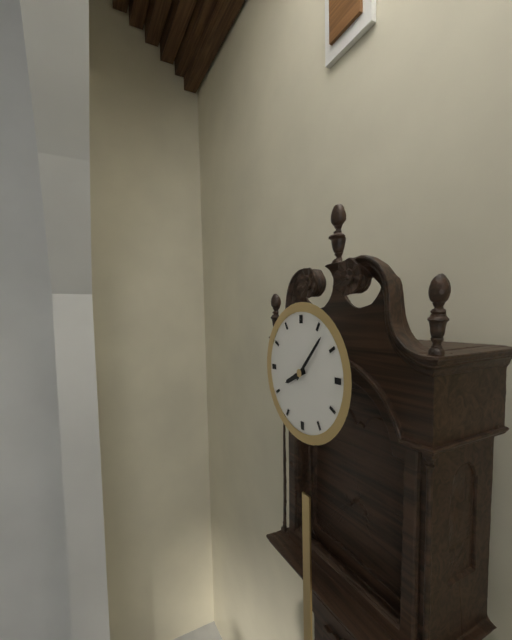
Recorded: h=8 m=7
